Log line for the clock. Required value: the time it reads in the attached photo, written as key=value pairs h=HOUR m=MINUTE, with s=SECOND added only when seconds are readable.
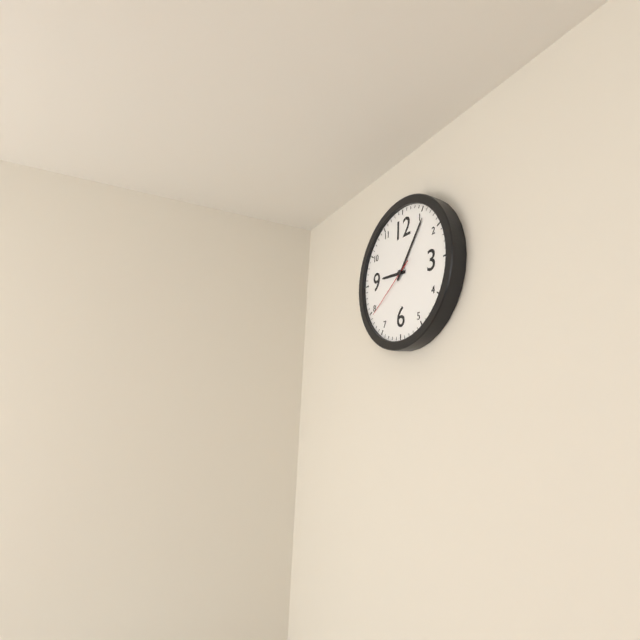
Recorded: h=9 m=6 s=39
